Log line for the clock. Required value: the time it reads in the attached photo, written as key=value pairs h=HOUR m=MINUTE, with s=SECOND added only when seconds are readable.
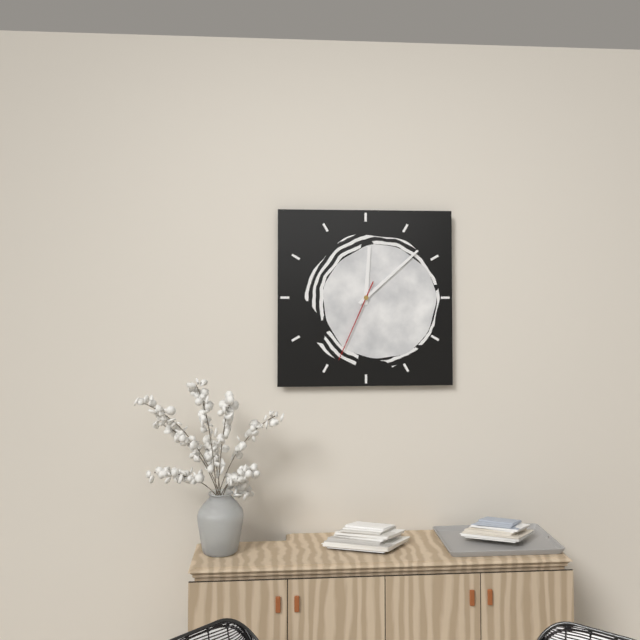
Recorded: h=12 m=8 s=34
